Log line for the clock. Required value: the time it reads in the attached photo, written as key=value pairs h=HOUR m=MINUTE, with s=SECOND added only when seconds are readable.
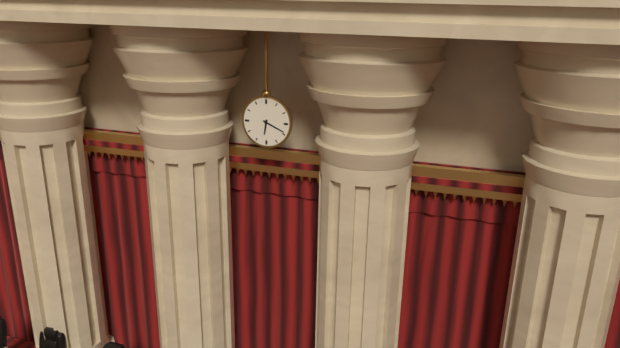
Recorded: h=6 m=19
